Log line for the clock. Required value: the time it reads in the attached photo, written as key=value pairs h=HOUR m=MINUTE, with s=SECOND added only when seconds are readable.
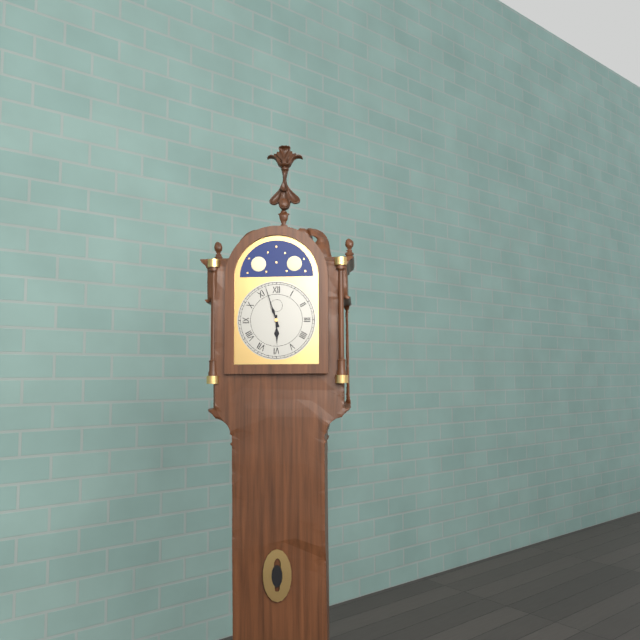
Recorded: h=5 m=57
